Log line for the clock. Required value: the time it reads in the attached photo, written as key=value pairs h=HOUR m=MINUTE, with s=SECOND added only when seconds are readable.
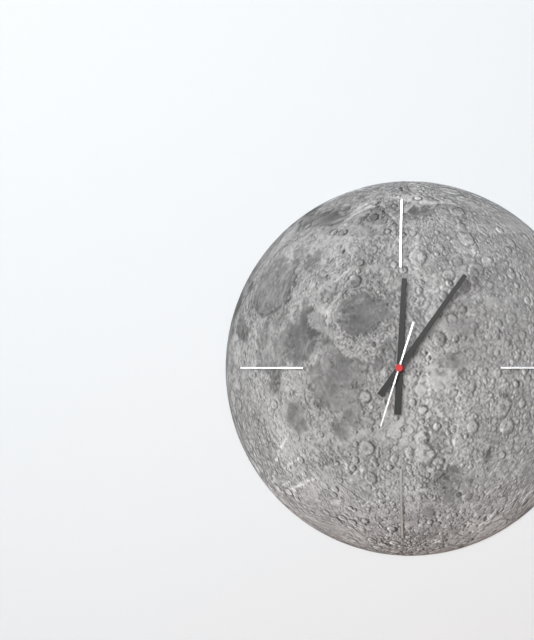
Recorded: h=12 m=6 s=33
